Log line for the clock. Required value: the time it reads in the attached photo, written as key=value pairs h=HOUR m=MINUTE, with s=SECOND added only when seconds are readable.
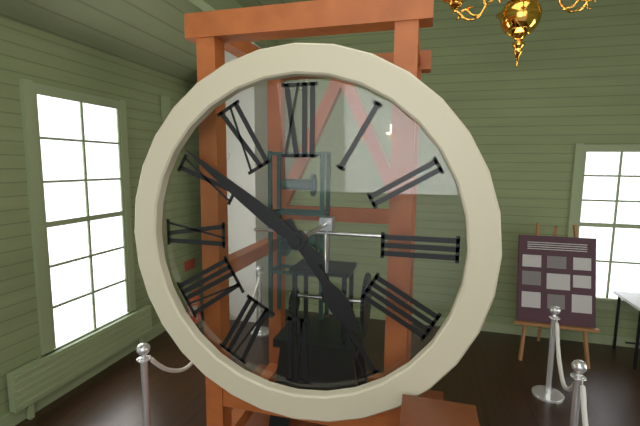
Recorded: h=4 m=51
